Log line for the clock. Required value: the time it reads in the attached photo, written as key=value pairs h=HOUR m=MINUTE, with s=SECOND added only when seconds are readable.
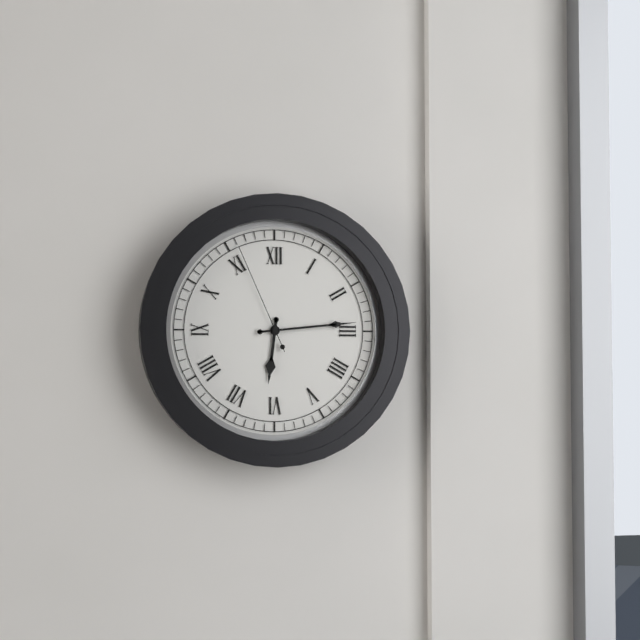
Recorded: h=6 m=14 s=56
